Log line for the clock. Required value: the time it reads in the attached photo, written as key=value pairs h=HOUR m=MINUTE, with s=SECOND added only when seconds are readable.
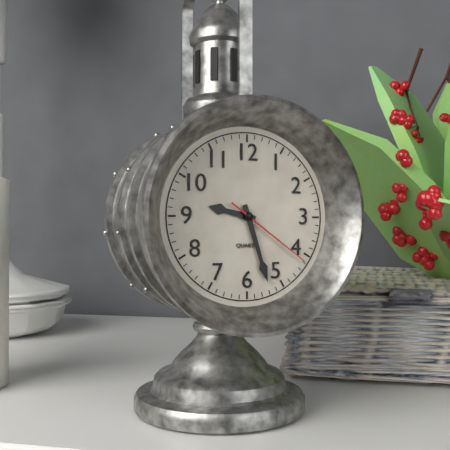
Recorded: h=9 m=27 s=21
